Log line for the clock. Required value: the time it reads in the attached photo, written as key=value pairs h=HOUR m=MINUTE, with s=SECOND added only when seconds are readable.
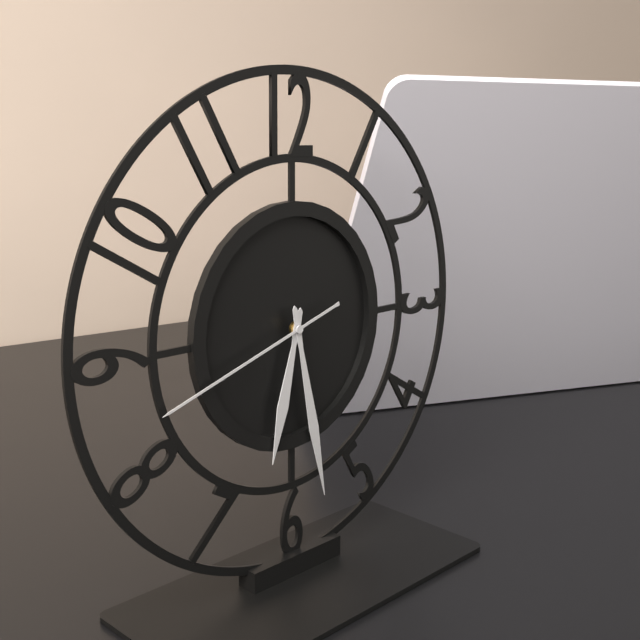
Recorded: h=6 m=28 s=42
